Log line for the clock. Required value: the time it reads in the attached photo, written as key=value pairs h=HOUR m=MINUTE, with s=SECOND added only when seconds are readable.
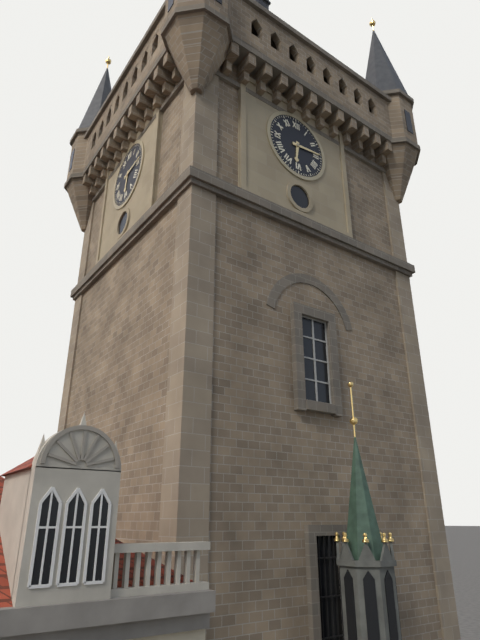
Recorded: h=6 m=14
